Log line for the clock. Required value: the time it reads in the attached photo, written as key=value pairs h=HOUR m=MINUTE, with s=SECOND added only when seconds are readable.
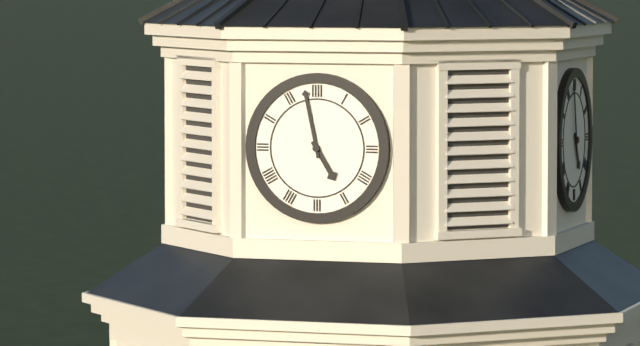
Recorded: h=4 m=58
